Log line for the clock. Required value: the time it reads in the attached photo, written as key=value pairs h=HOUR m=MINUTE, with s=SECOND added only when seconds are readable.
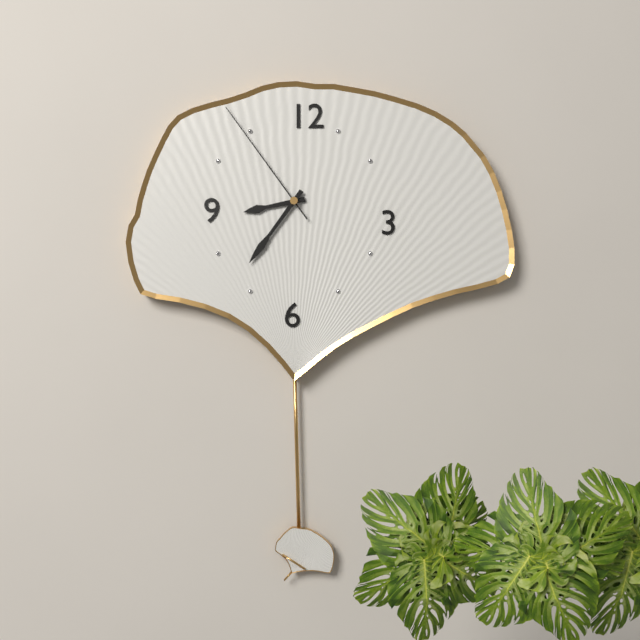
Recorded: h=8 m=36 s=54
